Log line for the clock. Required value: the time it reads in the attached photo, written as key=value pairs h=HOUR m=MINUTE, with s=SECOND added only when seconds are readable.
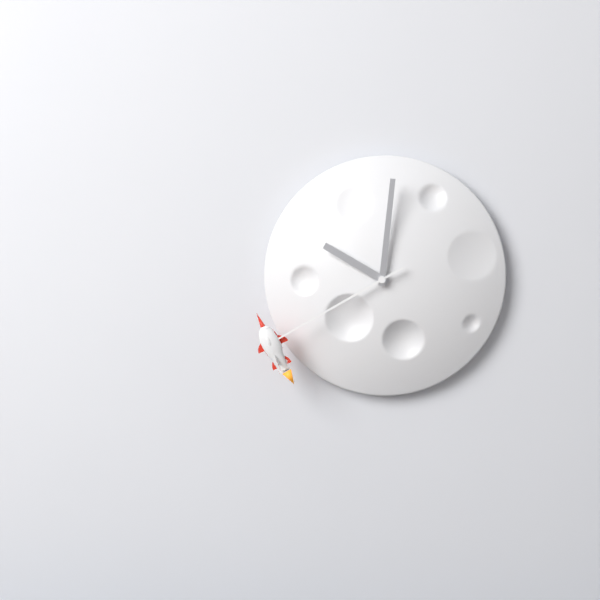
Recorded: h=10 m=1 s=40
